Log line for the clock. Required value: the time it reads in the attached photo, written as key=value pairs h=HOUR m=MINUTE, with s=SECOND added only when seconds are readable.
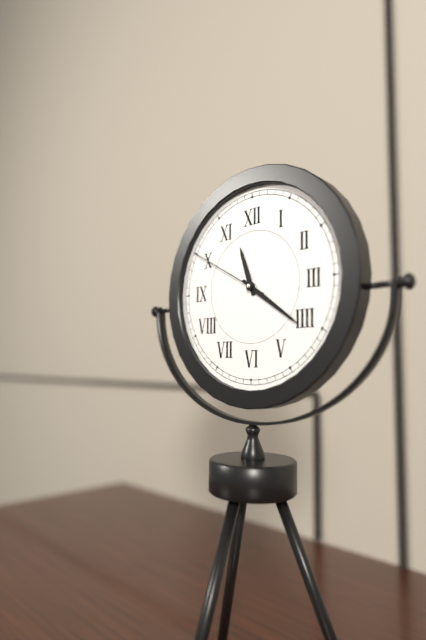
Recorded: h=11 m=21 s=50
